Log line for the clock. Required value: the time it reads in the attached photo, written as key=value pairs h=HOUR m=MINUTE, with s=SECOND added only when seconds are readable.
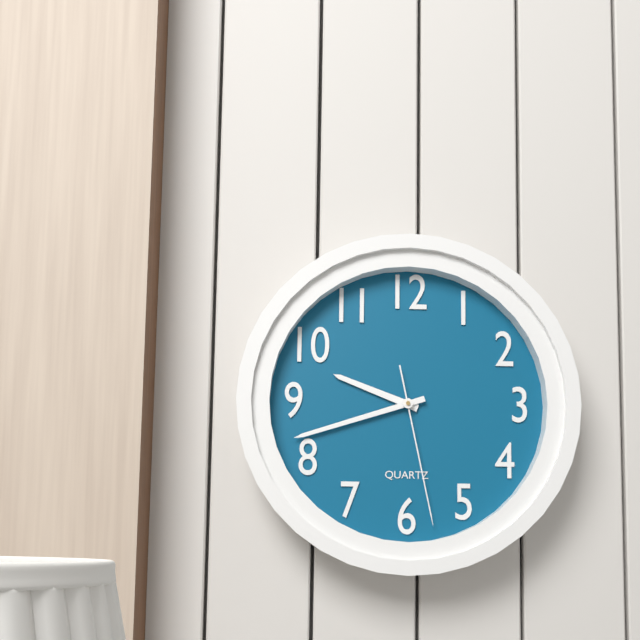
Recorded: h=9 m=42 s=28
